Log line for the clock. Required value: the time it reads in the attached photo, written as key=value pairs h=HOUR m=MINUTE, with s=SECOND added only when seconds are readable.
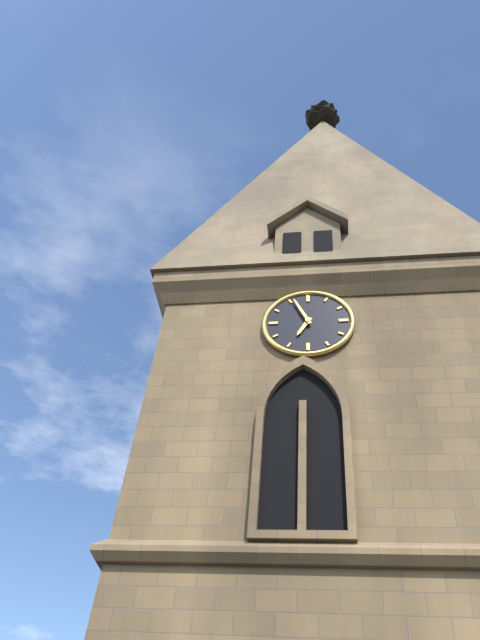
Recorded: h=6 m=56
